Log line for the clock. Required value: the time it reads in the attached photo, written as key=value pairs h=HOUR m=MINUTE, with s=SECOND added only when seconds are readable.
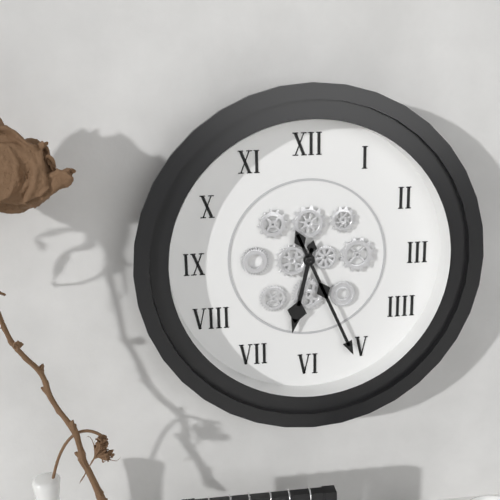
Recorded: h=6 m=26
